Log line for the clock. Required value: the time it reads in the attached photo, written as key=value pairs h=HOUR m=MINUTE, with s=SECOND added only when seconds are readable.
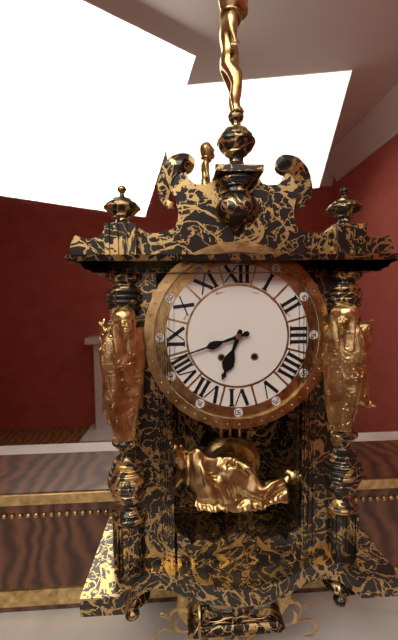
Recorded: h=6 m=42
